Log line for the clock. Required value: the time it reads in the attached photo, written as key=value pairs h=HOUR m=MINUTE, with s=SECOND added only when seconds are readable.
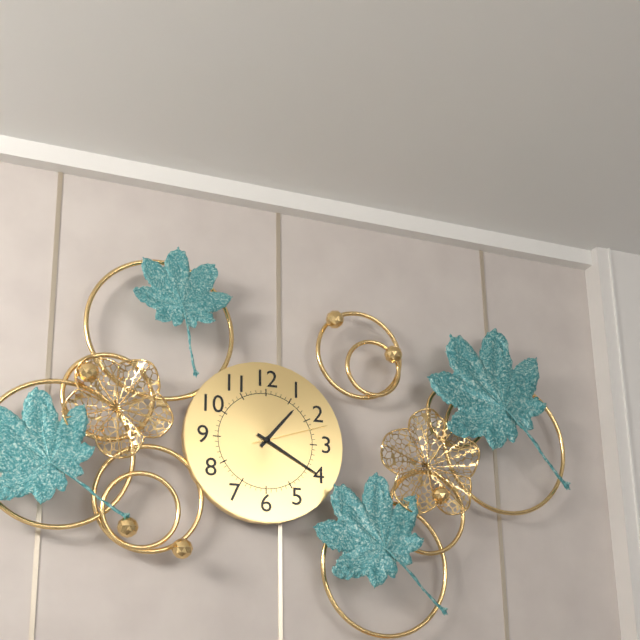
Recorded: h=1 m=20 s=12
